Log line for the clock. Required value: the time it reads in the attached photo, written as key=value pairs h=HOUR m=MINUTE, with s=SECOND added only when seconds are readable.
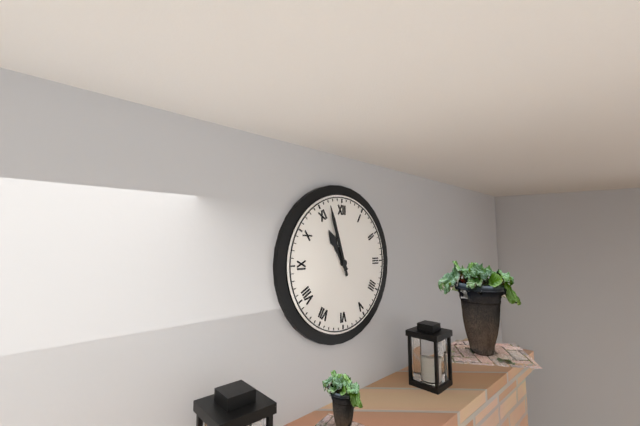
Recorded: h=10 m=57
